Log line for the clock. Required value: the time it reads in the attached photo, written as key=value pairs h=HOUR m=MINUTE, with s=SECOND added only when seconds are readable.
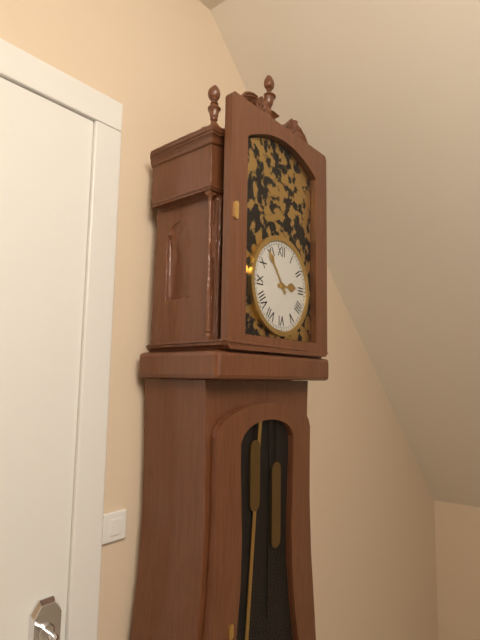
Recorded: h=2 m=54
